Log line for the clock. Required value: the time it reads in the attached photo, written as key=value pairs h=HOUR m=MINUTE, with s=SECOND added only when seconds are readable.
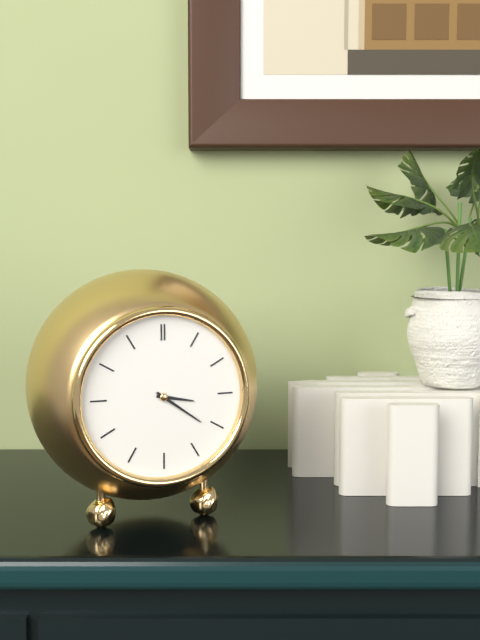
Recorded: h=3 m=21
